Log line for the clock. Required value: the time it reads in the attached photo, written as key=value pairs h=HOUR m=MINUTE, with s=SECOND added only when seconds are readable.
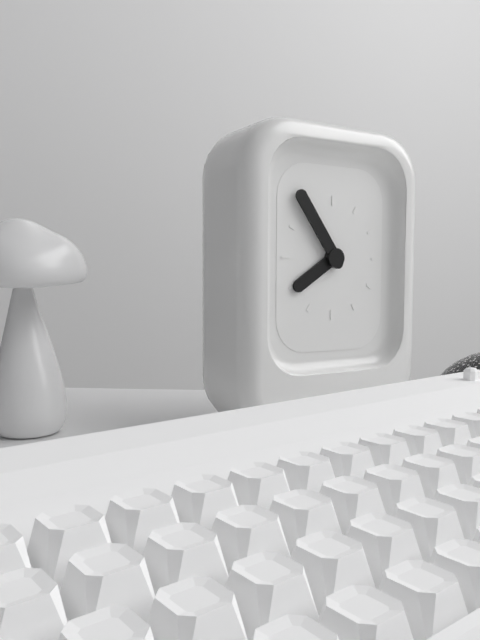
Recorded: h=7 m=54
